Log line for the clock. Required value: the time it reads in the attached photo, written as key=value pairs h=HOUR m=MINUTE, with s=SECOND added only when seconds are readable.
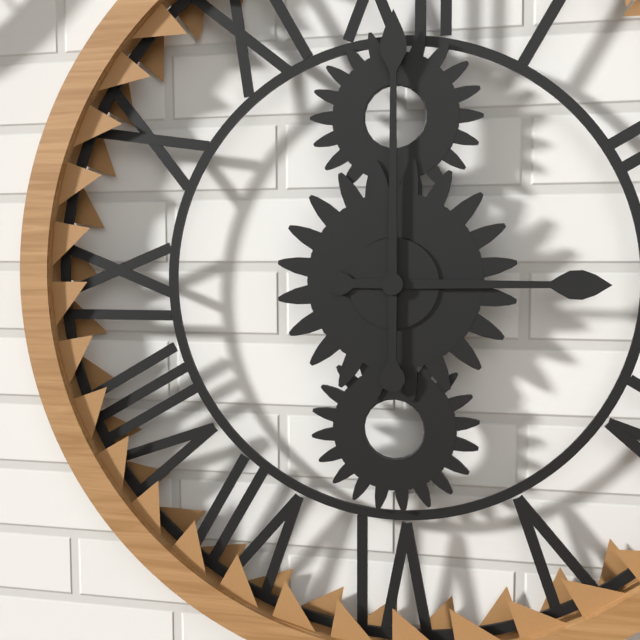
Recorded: h=3 m=0
